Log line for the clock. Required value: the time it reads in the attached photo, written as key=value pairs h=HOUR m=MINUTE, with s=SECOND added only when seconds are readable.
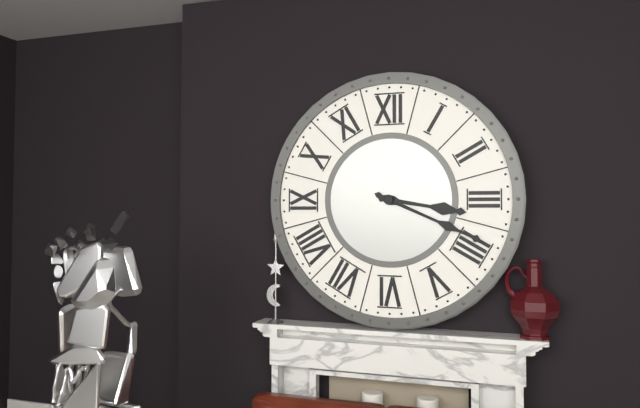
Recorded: h=3 m=19
